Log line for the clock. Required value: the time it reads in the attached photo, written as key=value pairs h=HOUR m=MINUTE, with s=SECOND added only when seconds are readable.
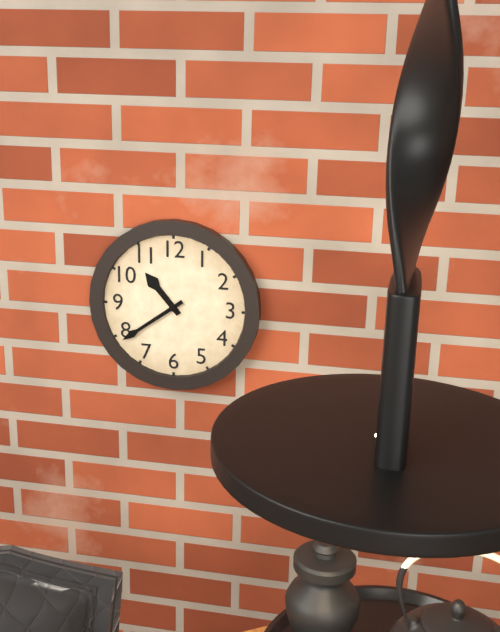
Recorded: h=10 m=39
